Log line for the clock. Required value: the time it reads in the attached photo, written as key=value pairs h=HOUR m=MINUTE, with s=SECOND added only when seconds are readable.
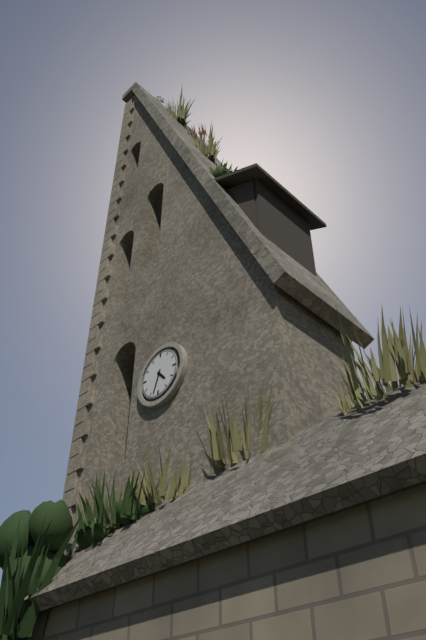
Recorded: h=4 m=33
